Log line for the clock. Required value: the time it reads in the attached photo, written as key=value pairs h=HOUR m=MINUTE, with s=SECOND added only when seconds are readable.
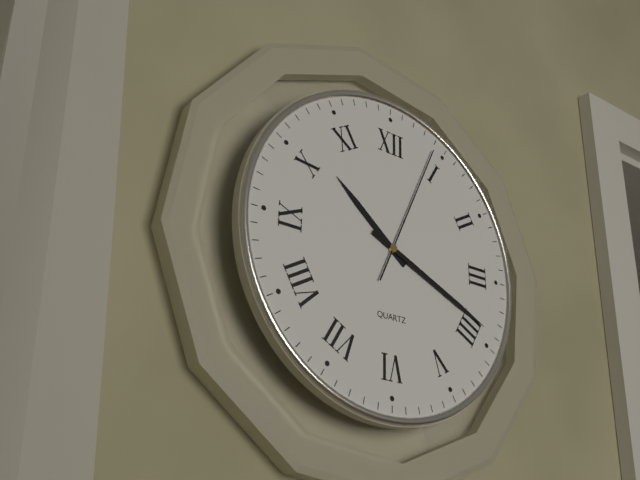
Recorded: h=10 m=19 s=4
